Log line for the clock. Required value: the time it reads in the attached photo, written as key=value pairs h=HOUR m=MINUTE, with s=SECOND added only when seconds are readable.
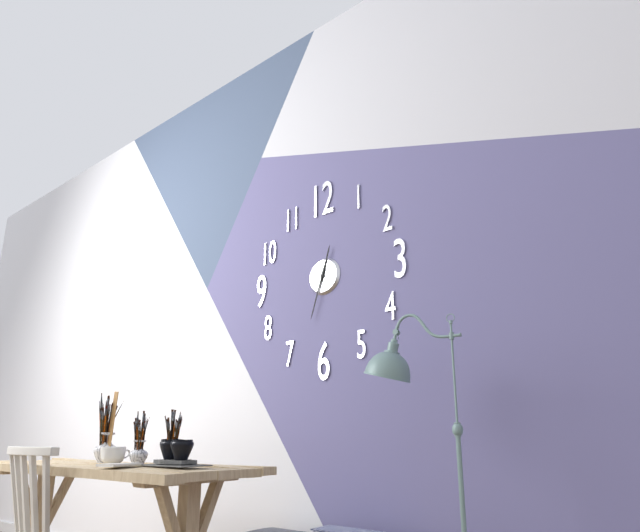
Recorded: h=12 m=33
